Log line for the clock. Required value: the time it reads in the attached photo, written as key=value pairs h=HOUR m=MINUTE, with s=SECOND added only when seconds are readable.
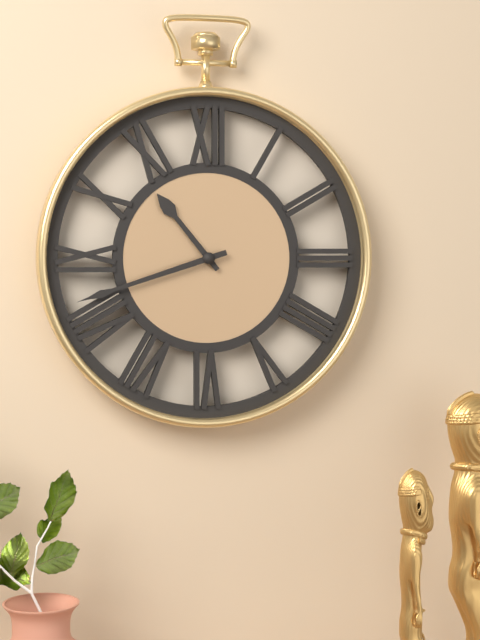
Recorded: h=10 m=42
